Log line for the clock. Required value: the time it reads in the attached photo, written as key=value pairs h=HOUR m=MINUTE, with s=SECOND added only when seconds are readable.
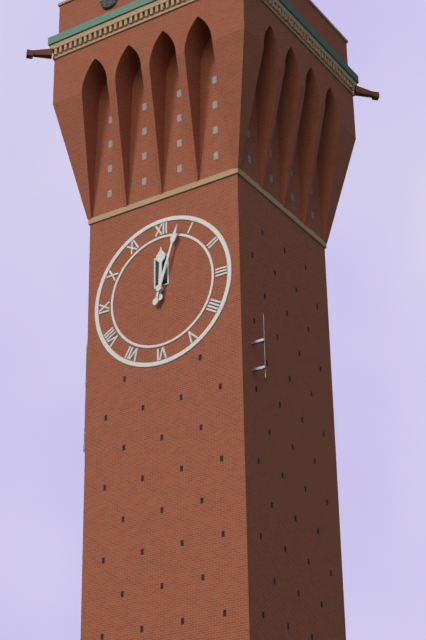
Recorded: h=12 m=3
